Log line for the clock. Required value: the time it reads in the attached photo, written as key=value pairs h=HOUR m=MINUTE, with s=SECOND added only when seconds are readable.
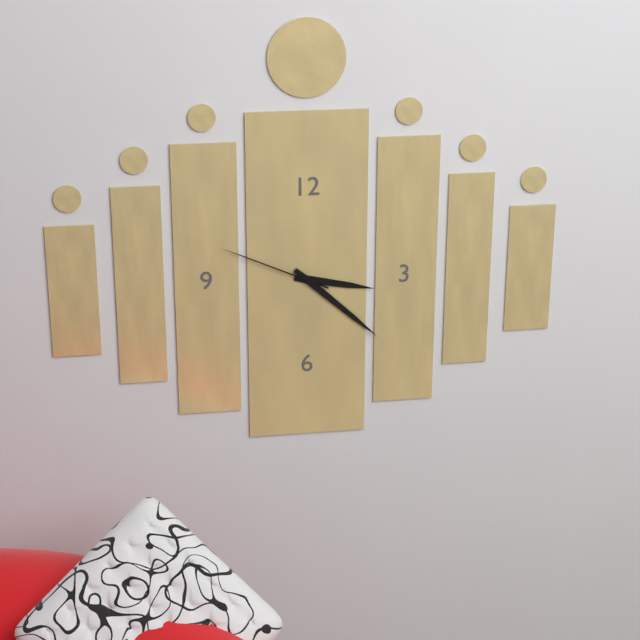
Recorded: h=3 m=22 s=49
